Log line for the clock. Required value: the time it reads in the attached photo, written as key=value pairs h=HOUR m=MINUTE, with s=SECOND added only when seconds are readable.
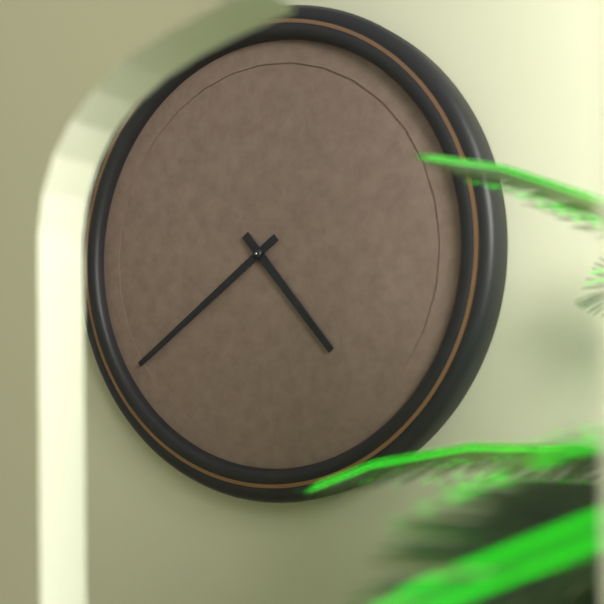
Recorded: h=4 m=39
